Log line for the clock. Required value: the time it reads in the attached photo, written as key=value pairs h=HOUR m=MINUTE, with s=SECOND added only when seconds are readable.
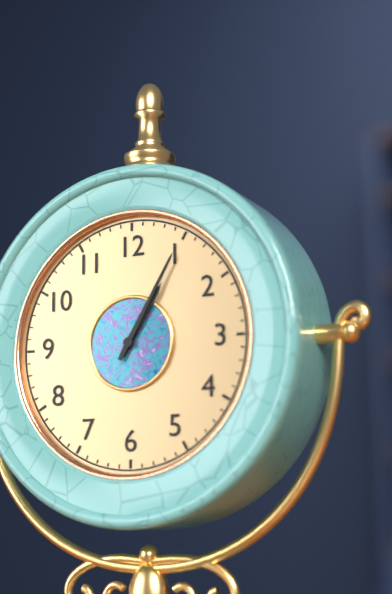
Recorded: h=1 m=5
